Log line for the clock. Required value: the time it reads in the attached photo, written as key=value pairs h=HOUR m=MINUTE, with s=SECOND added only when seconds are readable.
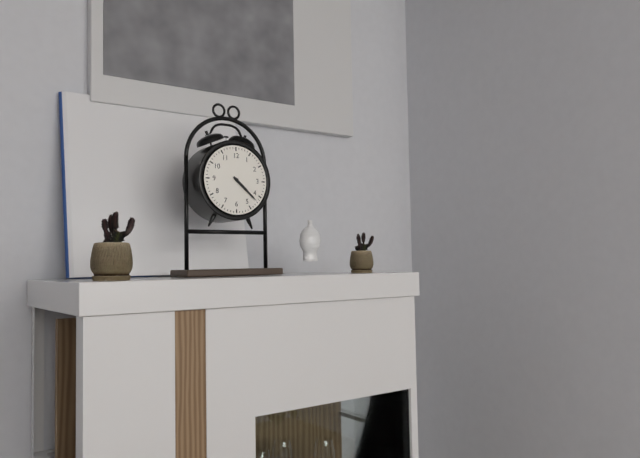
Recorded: h=4 m=22
